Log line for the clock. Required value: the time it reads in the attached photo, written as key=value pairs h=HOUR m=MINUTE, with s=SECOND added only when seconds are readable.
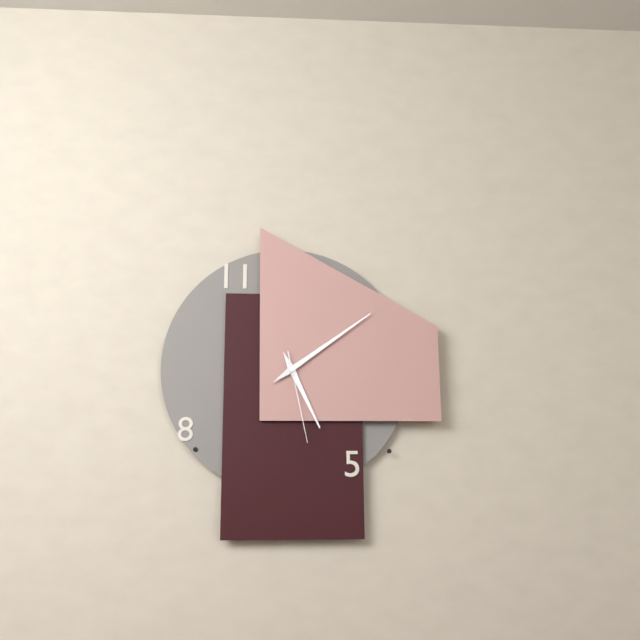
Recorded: h=5 m=9 s=28
